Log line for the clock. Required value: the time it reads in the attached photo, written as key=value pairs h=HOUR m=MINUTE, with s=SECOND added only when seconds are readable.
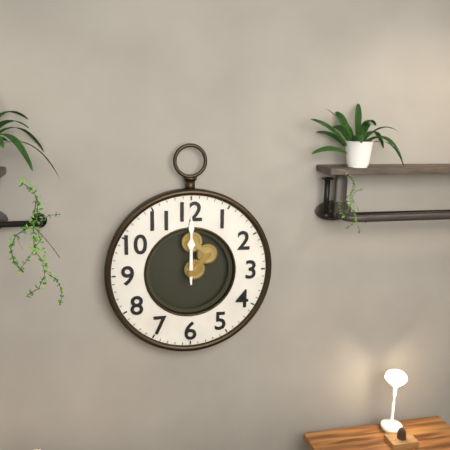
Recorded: h=12 m=0
